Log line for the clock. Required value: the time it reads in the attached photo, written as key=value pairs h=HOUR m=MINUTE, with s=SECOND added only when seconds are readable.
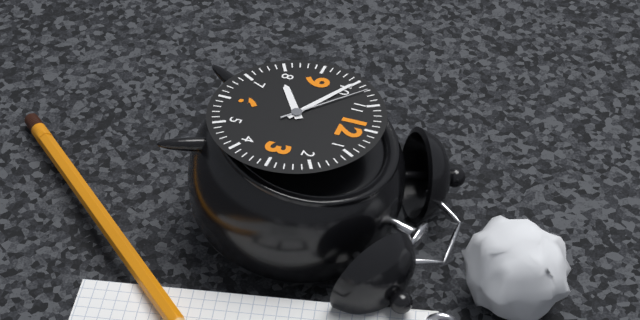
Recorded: h=7 m=50 s=52
